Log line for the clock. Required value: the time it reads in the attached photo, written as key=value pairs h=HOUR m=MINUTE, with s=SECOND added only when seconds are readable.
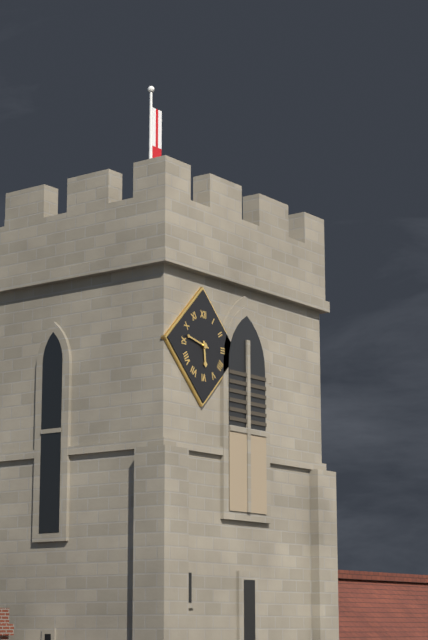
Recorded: h=5 m=47
